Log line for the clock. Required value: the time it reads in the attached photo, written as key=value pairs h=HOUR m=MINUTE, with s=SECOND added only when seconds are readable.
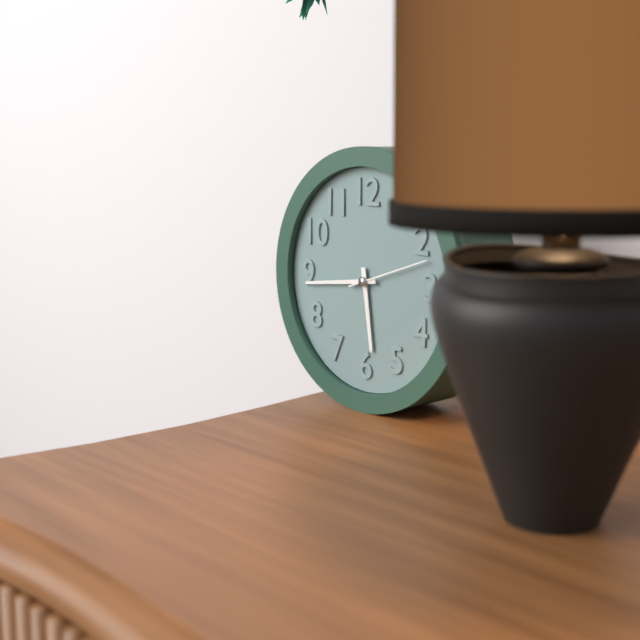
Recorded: h=5 m=44 s=12
